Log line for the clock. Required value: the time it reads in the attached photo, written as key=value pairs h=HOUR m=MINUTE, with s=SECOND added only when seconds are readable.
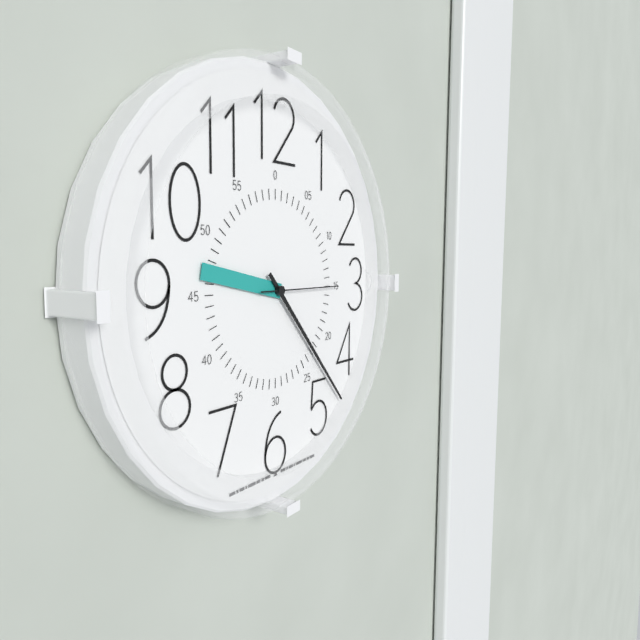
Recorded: h=9 m=23 s=15
